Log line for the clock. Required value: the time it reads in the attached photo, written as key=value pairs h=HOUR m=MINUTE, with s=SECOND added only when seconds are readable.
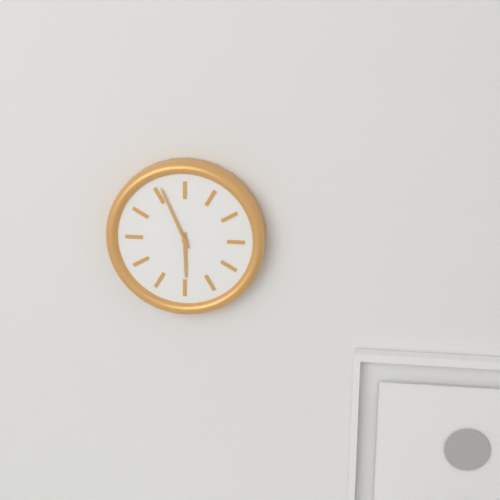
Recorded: h=5 m=56
